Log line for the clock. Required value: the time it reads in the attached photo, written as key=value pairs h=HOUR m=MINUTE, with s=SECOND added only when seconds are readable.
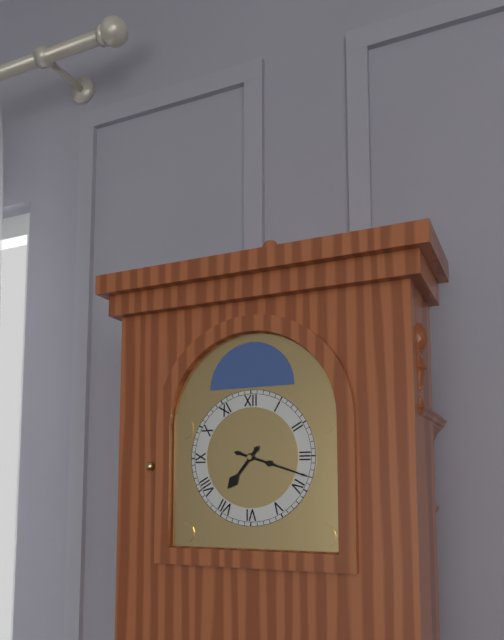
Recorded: h=7 m=18
